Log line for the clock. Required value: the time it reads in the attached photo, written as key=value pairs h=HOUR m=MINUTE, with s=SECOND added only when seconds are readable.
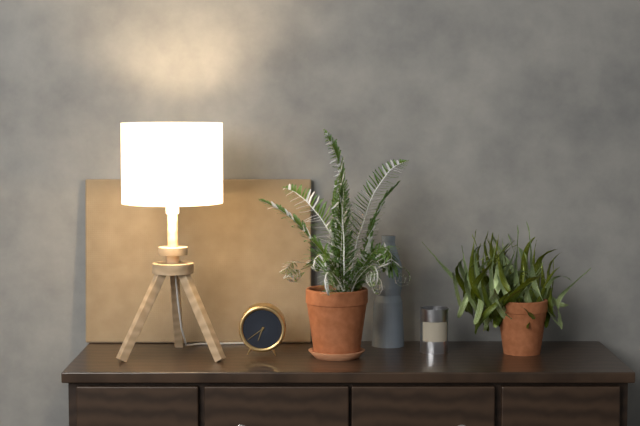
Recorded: h=6 m=39
